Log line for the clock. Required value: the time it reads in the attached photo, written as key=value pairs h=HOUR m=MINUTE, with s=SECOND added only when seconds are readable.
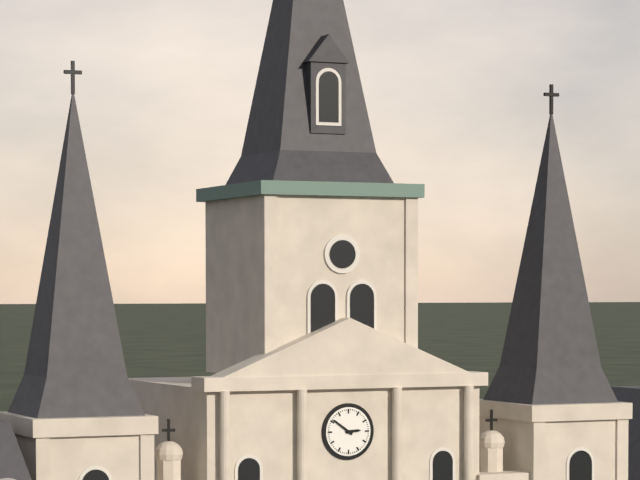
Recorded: h=2 m=51
